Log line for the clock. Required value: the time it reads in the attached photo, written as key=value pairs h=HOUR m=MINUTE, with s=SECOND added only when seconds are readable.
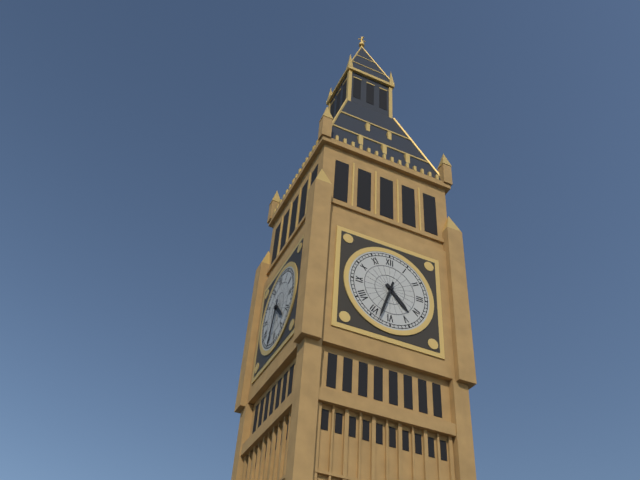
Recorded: h=4 m=33
